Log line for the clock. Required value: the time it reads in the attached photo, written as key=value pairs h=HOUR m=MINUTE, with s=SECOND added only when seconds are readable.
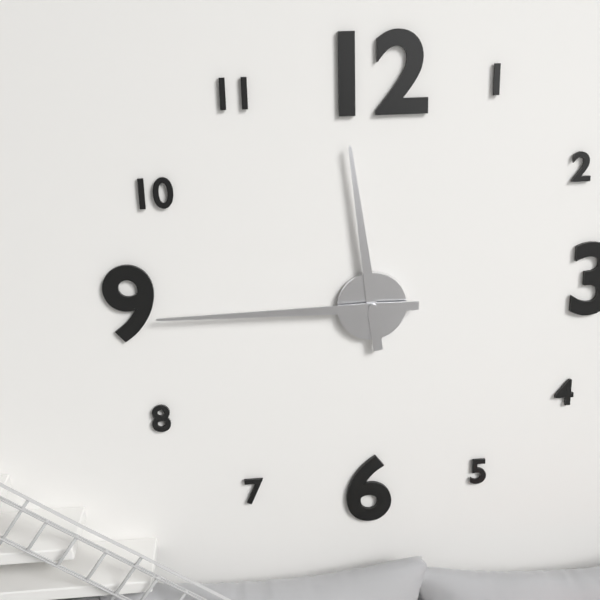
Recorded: h=11 m=45
